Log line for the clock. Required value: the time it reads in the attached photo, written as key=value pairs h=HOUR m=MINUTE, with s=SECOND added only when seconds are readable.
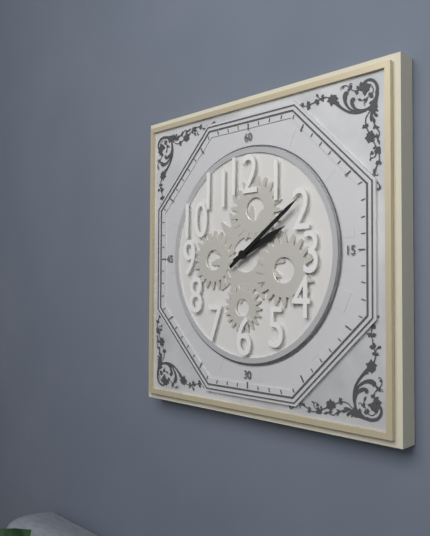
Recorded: h=2 m=9
